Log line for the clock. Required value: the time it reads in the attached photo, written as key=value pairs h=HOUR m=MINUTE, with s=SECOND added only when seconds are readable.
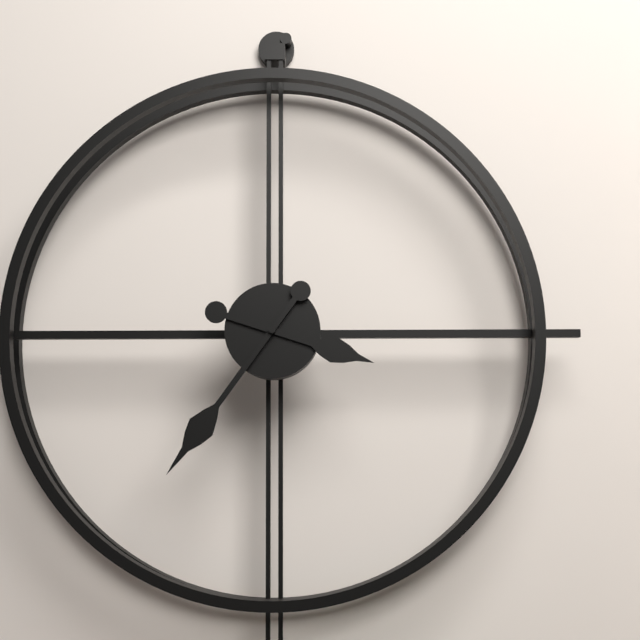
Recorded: h=3 m=36
